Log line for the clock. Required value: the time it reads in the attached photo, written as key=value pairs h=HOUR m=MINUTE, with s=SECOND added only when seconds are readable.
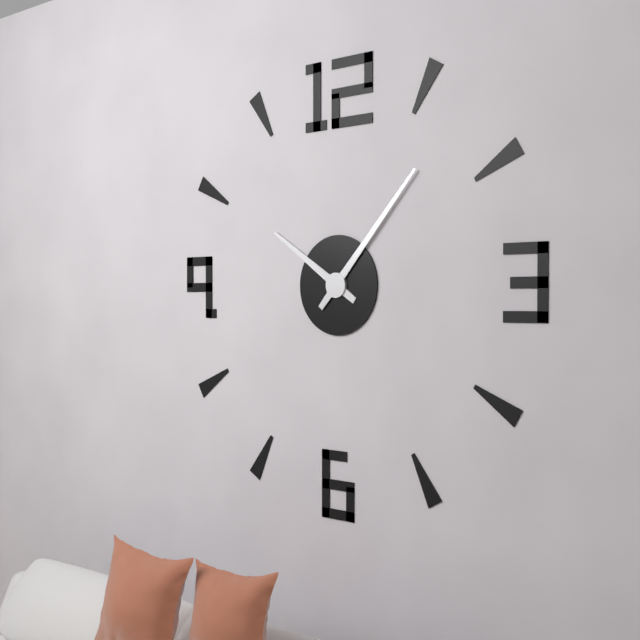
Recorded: h=10 m=7
